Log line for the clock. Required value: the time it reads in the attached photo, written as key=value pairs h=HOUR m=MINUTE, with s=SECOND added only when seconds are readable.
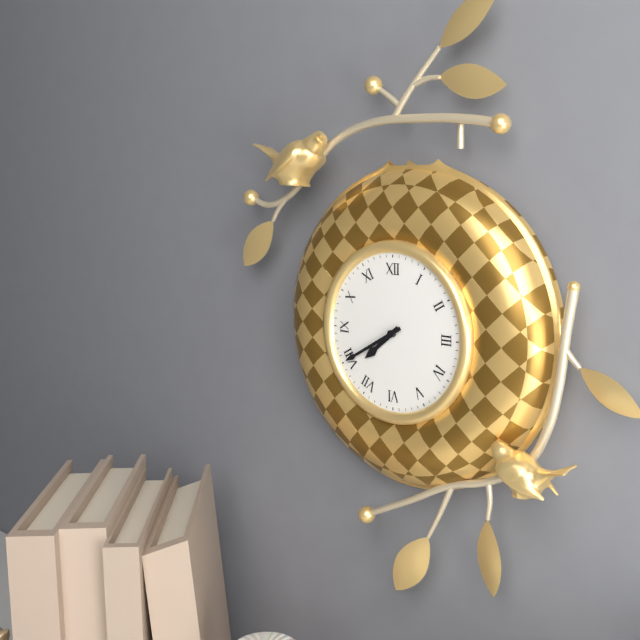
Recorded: h=7 m=40
